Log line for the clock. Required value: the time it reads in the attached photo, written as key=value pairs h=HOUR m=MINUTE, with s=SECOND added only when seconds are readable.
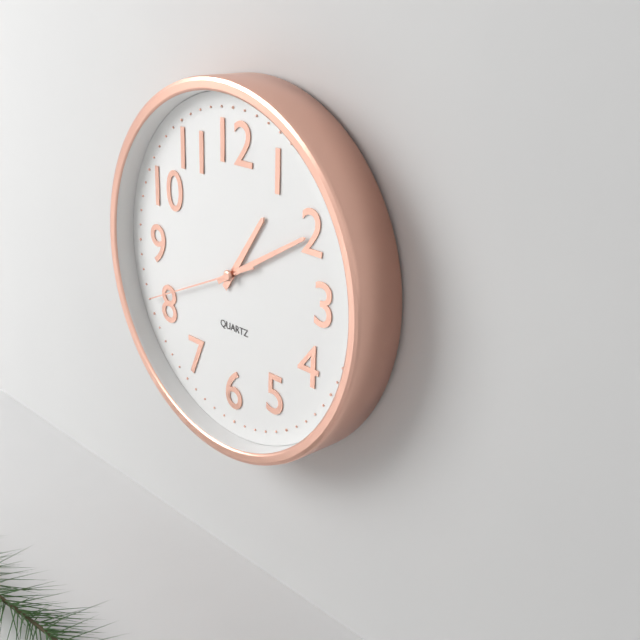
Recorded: h=1 m=10 s=41
